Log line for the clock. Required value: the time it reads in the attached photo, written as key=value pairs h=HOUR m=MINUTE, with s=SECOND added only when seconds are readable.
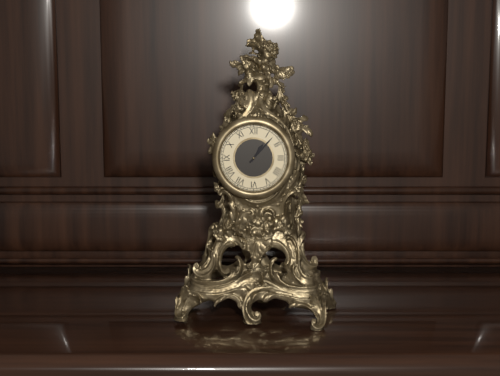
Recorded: h=1 m=7
